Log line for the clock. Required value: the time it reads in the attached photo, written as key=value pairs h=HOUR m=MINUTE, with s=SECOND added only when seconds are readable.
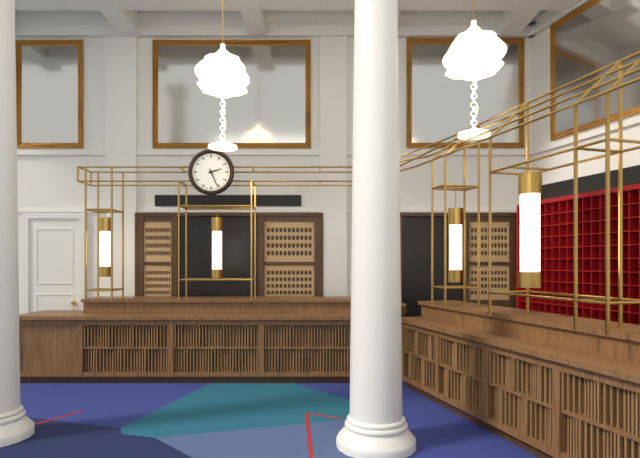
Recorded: h=2 m=26
